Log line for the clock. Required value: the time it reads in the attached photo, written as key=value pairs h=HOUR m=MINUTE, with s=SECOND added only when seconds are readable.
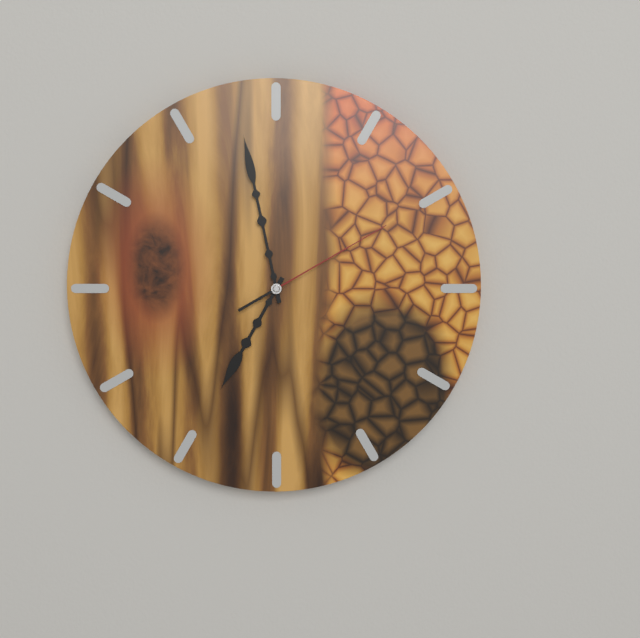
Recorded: h=6 m=58 s=10
